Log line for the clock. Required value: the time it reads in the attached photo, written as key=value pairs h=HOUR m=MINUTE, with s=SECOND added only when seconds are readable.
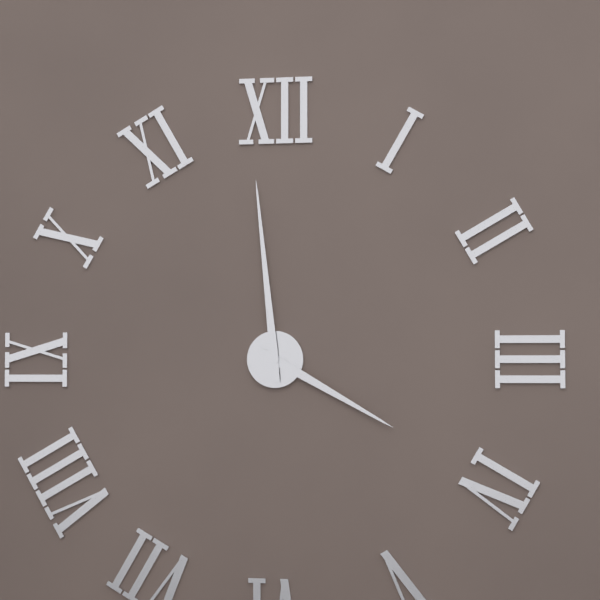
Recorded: h=3 m=59
